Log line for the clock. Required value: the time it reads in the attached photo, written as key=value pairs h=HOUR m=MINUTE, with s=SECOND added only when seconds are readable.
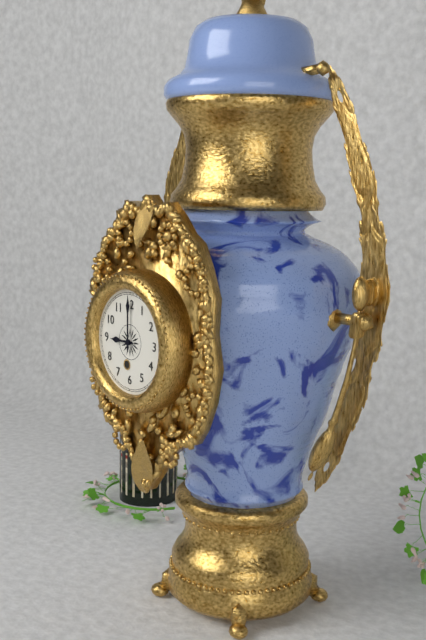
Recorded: h=9 m=0
